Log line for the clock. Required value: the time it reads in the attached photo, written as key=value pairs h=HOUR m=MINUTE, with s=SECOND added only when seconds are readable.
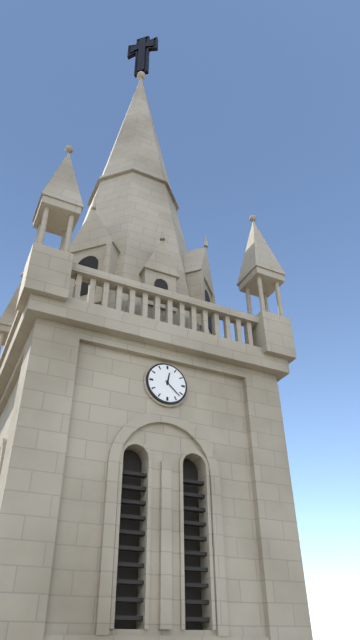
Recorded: h=12 m=22
